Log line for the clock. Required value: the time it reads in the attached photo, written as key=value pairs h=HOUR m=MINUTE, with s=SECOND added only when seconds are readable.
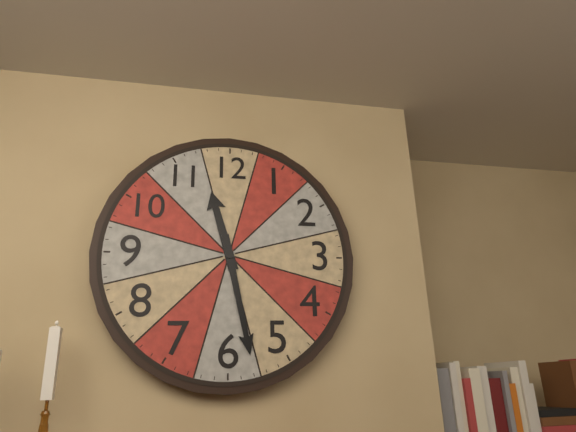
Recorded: h=11 m=28
